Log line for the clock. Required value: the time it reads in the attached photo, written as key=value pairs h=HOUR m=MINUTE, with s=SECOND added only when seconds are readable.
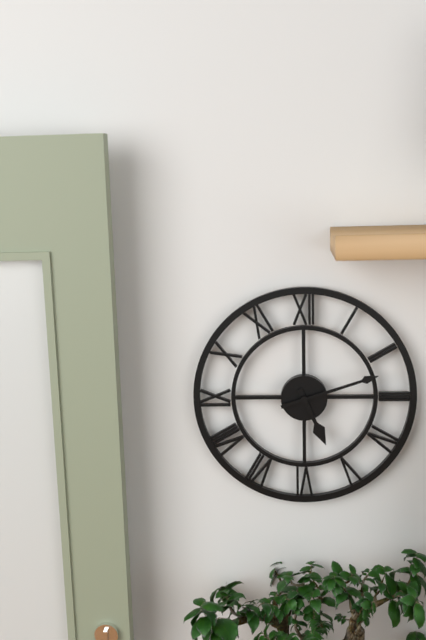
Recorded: h=5 m=12
